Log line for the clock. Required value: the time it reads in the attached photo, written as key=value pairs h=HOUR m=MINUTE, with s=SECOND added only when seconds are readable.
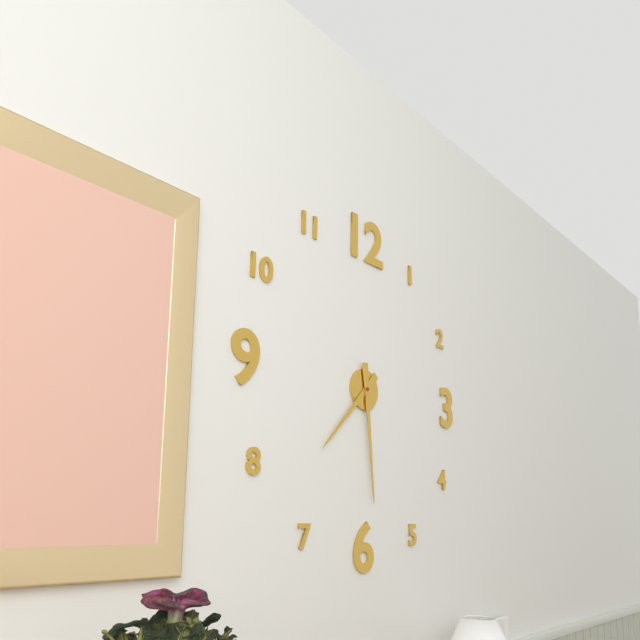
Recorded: h=7 m=29
